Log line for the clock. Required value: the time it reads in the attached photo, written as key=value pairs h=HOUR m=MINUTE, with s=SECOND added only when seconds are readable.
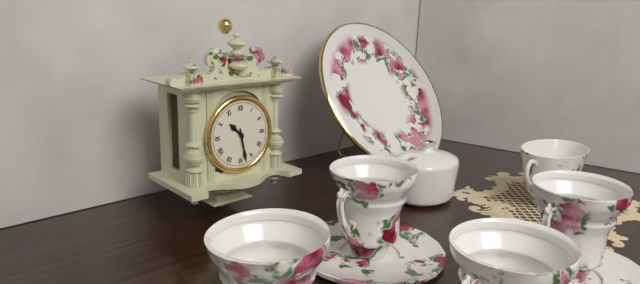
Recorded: h=10 m=28
